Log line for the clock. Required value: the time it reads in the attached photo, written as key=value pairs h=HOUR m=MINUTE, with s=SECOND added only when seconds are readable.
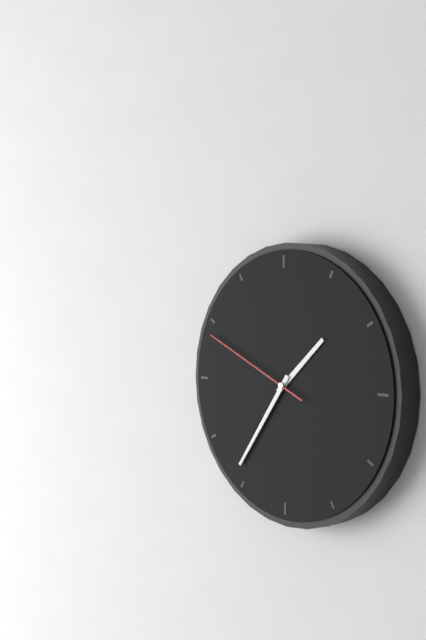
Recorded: h=1 m=36 s=49
